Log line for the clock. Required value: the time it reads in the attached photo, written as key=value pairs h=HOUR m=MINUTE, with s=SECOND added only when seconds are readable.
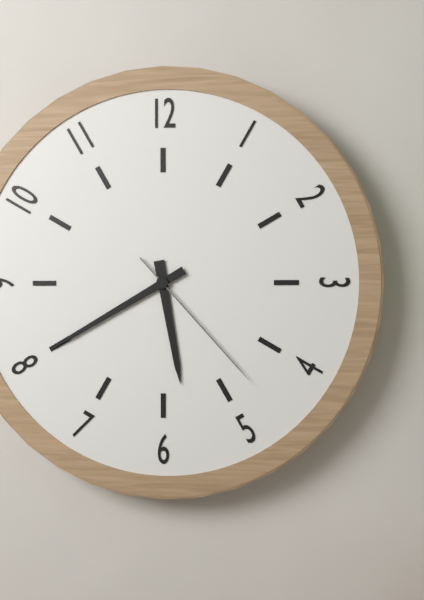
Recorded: h=5 m=40 s=23
